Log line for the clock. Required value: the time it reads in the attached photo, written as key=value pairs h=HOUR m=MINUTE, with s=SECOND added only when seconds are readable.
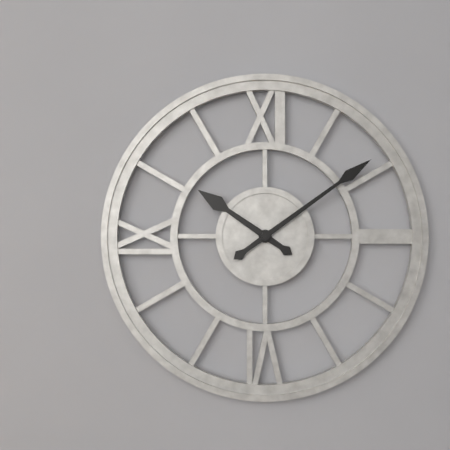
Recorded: h=10 m=9
